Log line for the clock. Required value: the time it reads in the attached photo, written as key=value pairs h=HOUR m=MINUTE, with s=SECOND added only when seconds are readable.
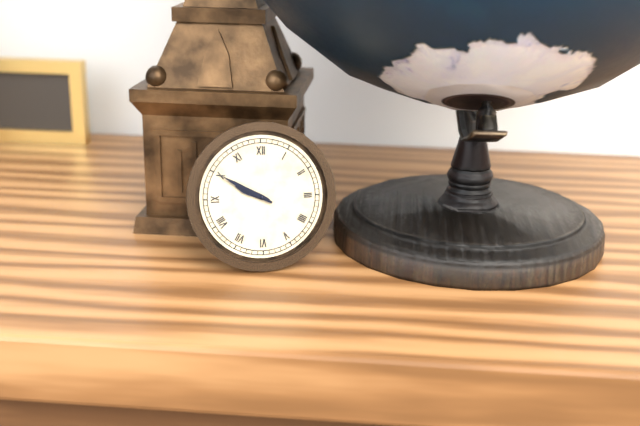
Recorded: h=9 m=50
